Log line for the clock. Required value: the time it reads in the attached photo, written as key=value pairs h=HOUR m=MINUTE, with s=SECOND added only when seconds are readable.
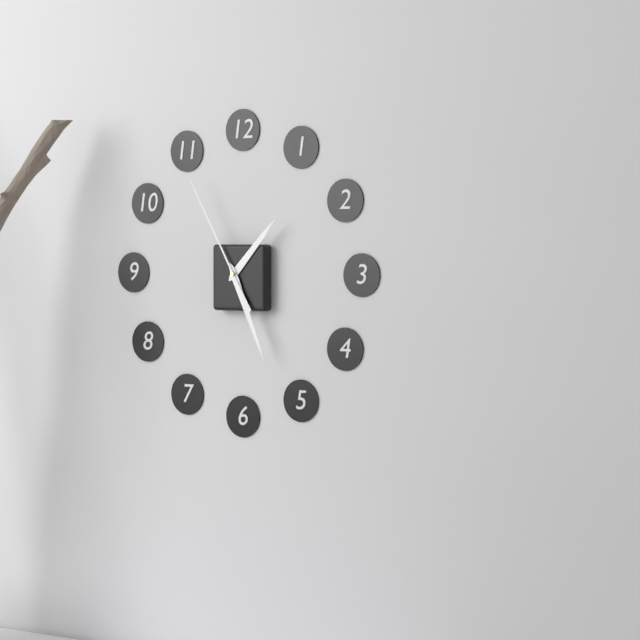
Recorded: h=1 m=26 s=55
